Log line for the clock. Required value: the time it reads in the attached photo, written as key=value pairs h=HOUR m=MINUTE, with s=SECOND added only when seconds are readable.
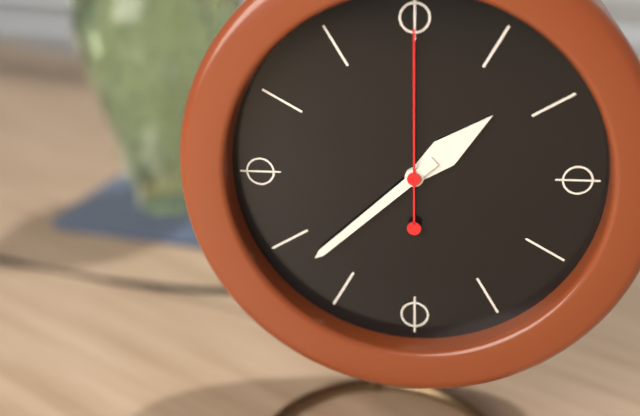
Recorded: h=1 m=38 s=0
